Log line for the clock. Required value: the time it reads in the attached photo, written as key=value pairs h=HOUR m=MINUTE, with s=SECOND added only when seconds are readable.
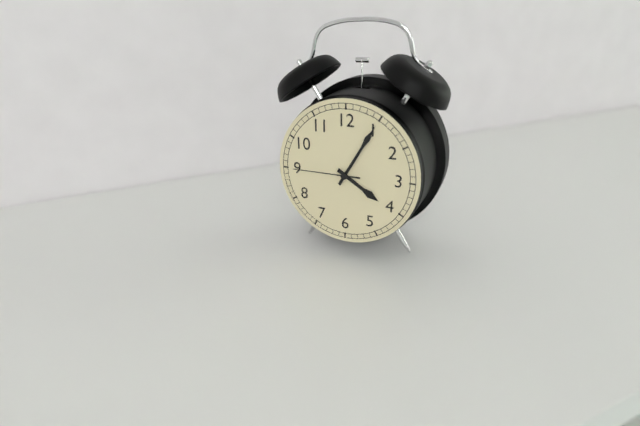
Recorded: h=4 m=5 s=45
